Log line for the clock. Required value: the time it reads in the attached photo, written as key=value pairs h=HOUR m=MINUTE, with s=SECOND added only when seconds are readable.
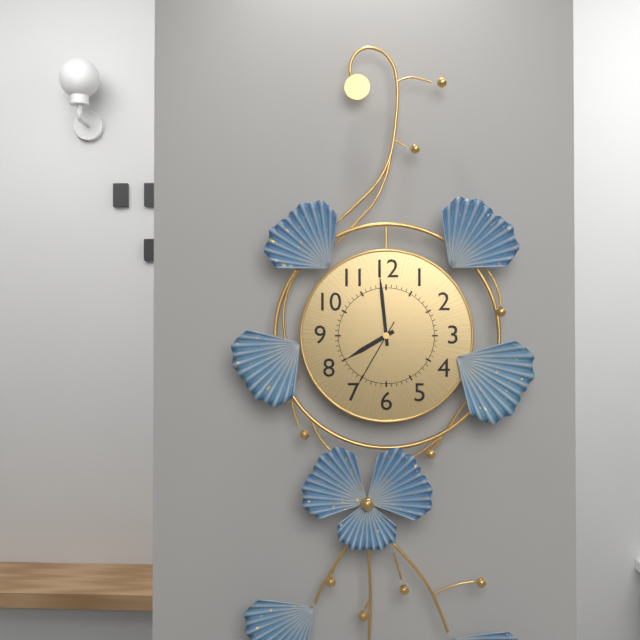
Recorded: h=7 m=59 s=35
